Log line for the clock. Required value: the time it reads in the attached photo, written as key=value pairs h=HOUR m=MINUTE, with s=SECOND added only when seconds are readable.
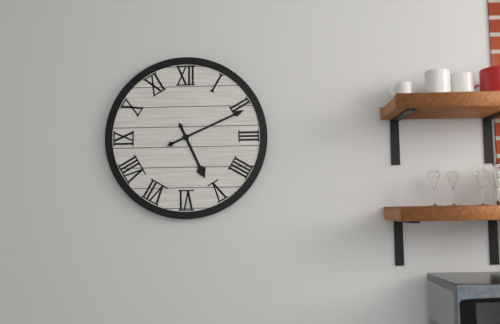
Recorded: h=5 m=11
